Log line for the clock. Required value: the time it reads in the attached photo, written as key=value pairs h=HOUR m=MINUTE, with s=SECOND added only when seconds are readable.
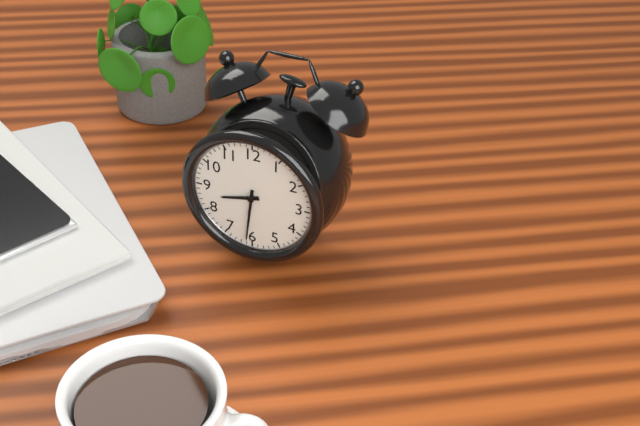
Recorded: h=8 m=31
